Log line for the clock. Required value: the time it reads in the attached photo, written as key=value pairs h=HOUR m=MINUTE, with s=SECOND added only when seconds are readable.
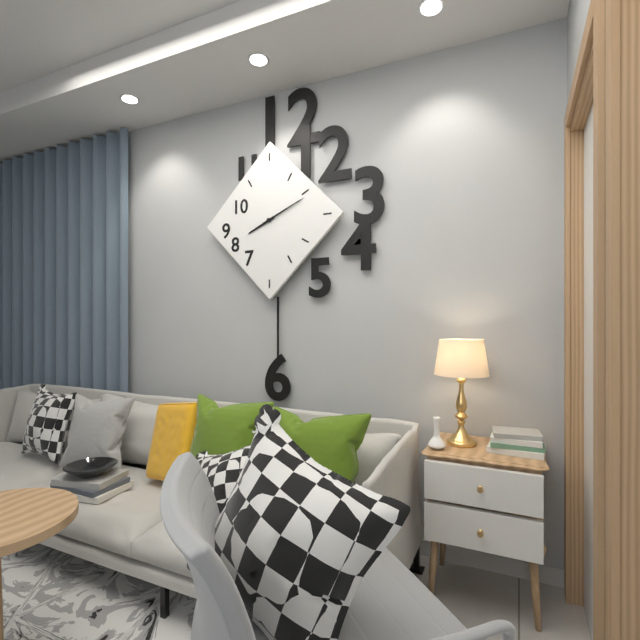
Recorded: h=8 m=11
